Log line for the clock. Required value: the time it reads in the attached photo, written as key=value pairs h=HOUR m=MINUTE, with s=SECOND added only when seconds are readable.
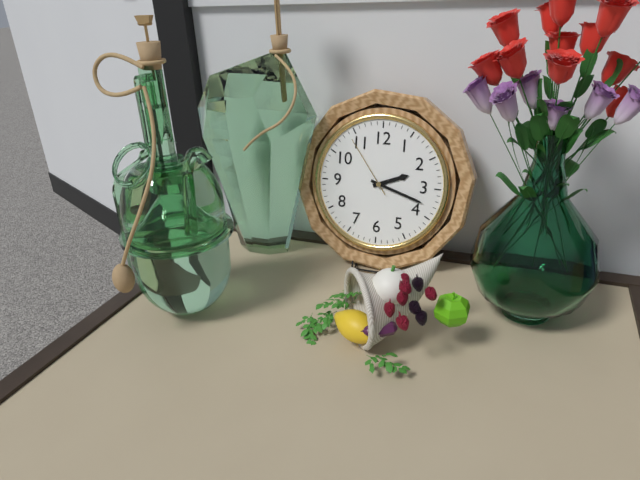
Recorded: h=2 m=18 s=54
